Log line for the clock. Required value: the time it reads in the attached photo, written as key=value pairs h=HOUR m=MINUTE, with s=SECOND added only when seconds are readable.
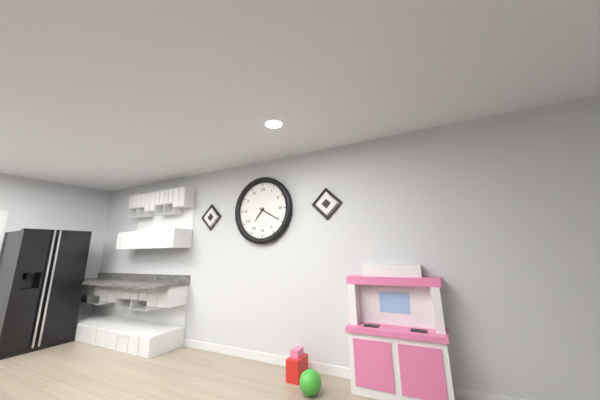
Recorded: h=7 m=20
